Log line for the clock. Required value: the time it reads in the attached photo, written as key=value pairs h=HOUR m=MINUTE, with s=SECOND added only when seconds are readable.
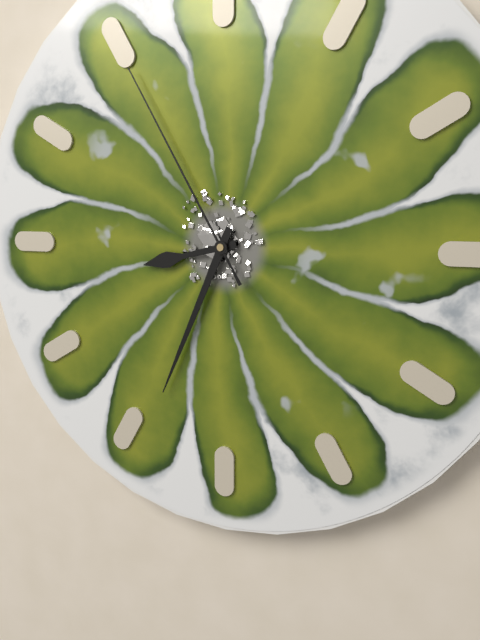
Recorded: h=8 m=34 s=55
